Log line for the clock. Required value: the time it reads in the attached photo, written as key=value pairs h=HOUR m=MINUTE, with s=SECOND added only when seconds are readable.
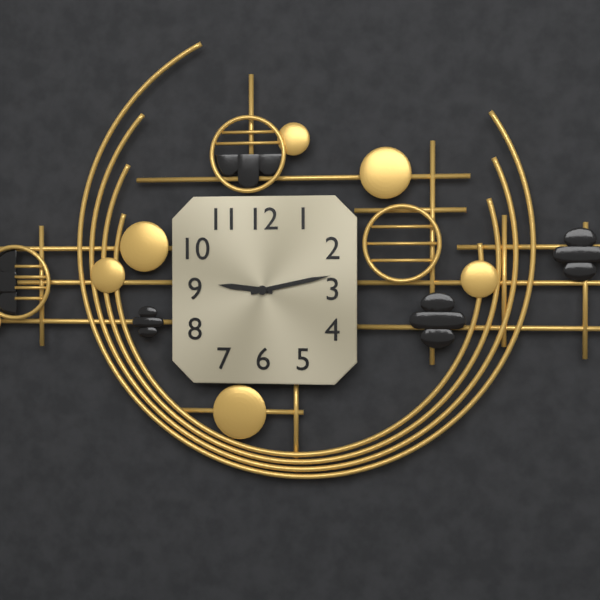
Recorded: h=9 m=13
